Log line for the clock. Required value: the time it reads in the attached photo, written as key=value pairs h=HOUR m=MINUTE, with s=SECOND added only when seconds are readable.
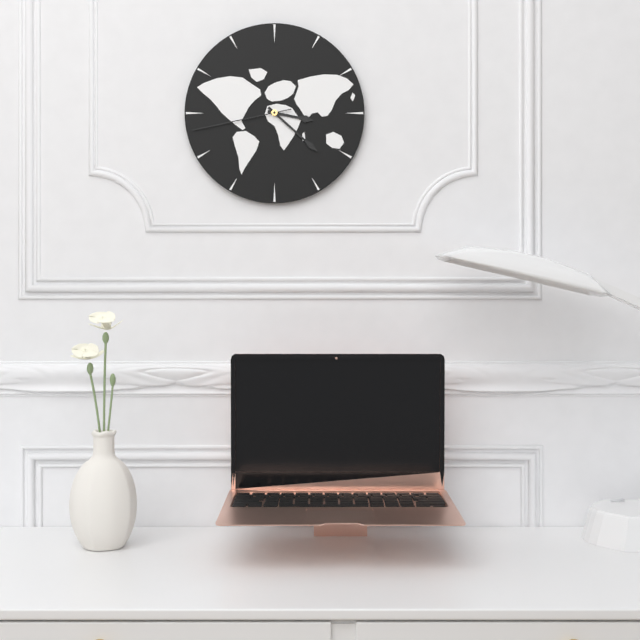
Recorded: h=3 m=22 s=43
